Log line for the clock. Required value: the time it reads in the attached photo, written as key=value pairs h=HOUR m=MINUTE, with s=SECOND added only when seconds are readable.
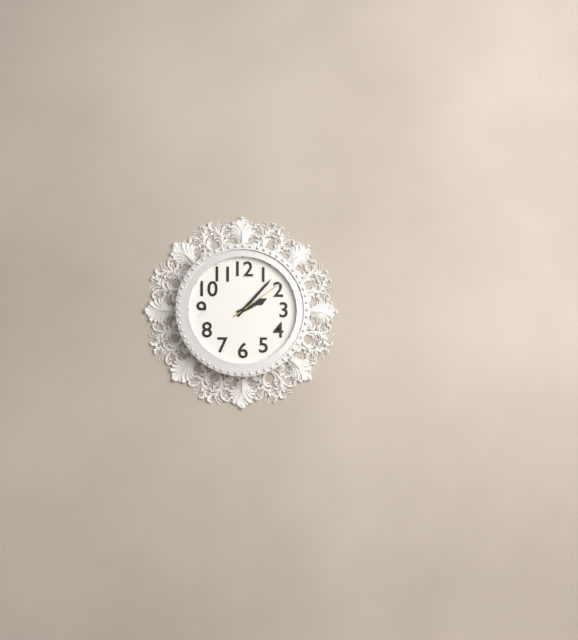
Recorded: h=2 m=7 s=9
